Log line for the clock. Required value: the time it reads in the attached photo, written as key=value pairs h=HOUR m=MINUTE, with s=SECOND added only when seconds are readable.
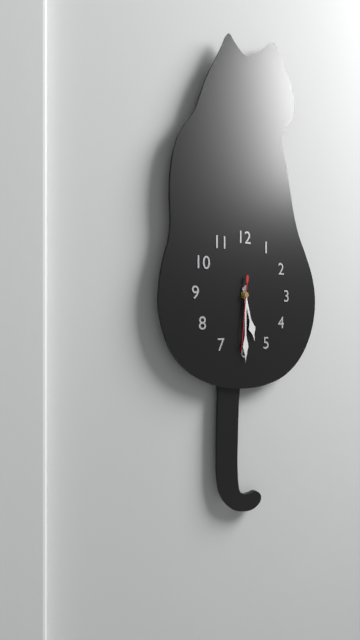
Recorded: h=5 m=30 s=31
